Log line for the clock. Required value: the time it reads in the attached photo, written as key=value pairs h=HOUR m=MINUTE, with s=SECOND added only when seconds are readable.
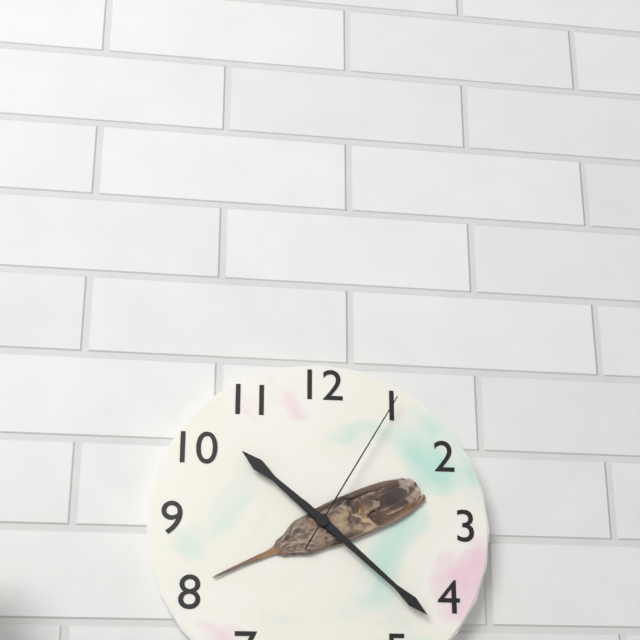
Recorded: h=10 m=22 s=5
